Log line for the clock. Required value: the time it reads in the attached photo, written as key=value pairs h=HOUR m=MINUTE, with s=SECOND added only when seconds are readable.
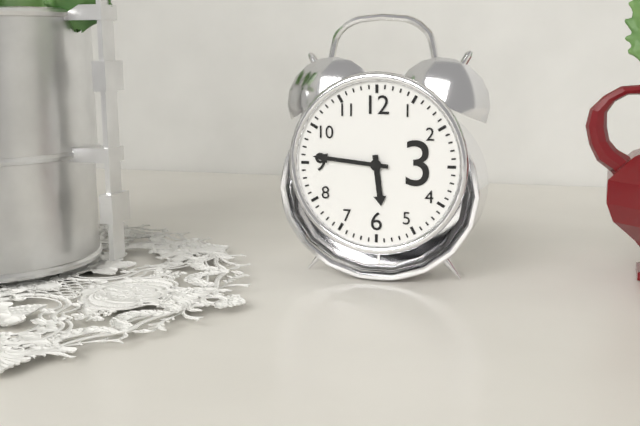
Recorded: h=5 m=46
